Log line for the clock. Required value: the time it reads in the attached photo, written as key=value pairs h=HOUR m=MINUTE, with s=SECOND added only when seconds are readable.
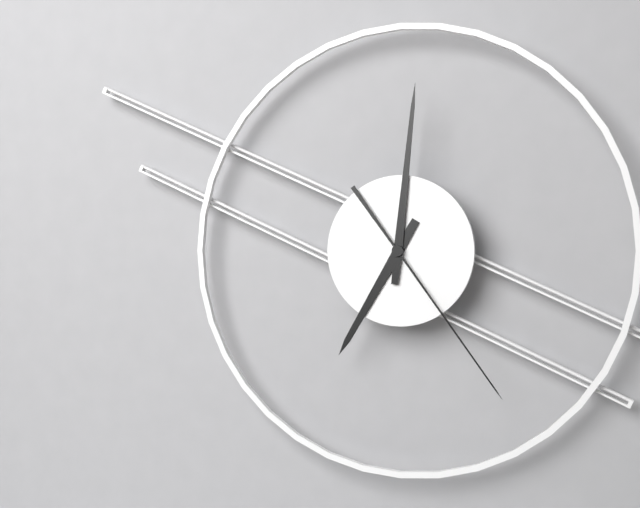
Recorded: h=7 m=1 s=24
